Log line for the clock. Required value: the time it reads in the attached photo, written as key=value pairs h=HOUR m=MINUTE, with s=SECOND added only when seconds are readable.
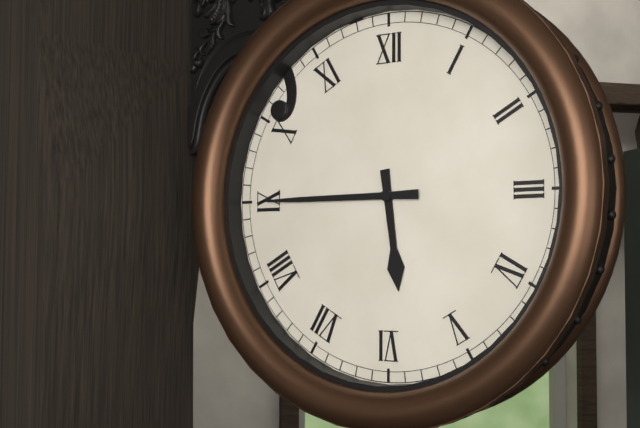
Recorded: h=5 m=45
